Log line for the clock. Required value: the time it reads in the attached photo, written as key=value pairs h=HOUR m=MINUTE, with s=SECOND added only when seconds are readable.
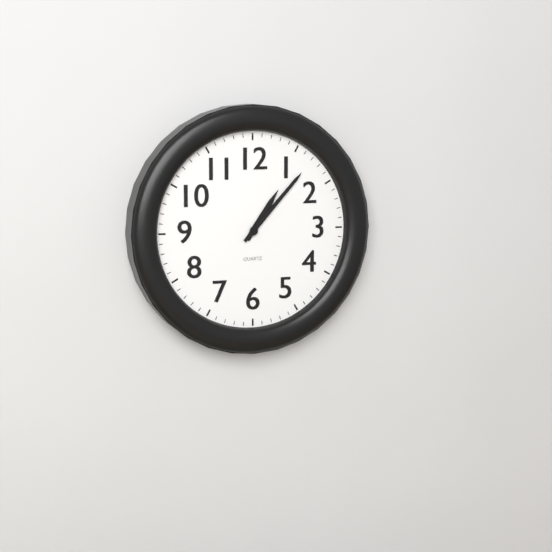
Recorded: h=1 m=7
